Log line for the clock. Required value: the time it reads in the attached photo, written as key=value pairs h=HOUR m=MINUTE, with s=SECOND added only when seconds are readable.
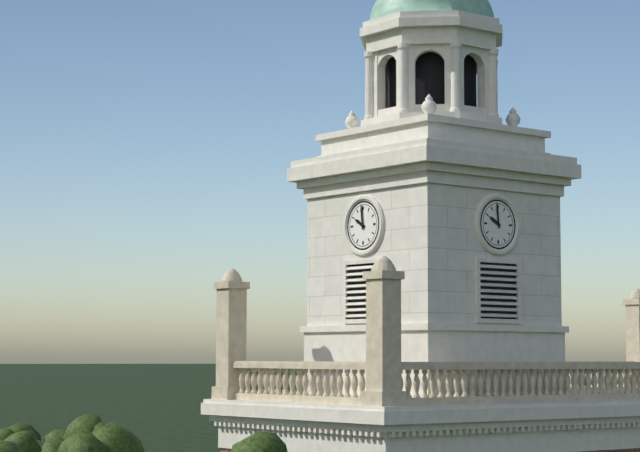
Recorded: h=9 m=59
